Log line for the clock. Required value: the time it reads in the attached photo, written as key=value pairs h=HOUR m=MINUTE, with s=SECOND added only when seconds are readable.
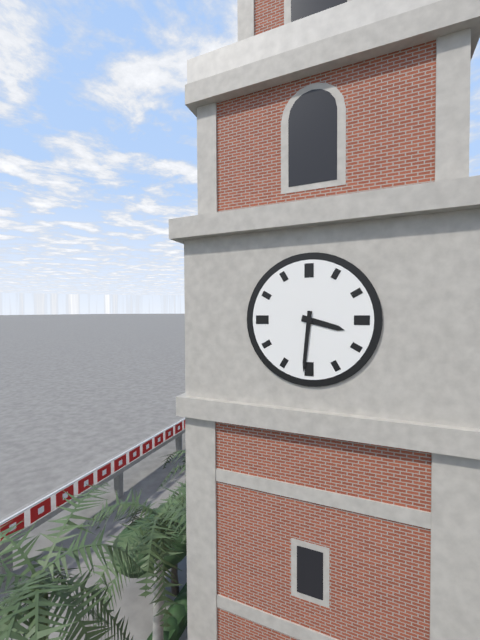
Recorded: h=3 m=31
